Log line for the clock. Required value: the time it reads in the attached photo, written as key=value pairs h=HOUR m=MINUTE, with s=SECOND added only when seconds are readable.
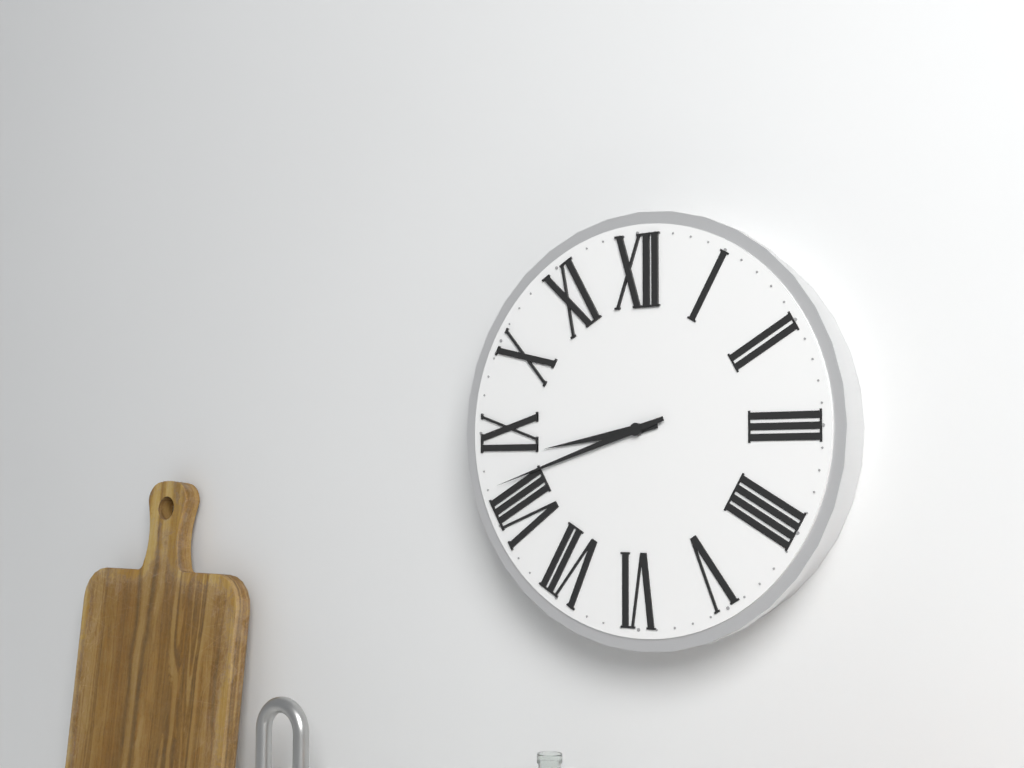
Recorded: h=8 m=42
